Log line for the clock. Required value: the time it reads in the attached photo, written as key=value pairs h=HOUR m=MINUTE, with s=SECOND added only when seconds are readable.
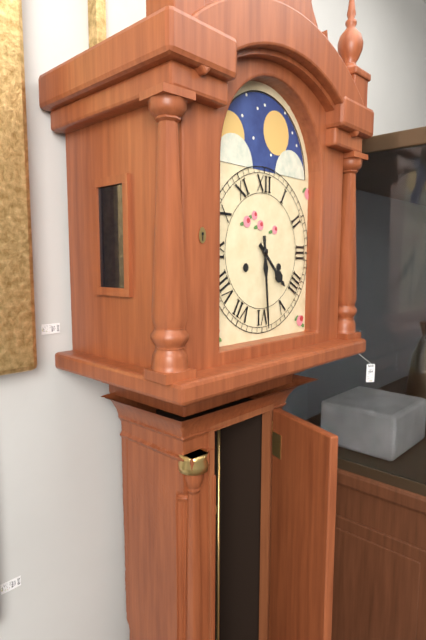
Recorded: h=4 m=29
